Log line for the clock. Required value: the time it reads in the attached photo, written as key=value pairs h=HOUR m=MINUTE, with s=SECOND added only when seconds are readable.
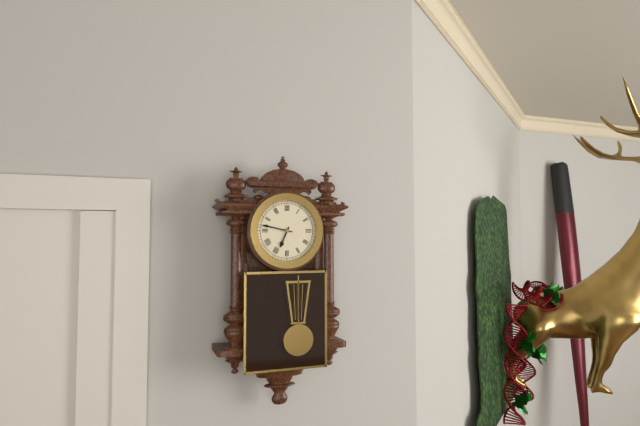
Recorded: h=6 m=47
